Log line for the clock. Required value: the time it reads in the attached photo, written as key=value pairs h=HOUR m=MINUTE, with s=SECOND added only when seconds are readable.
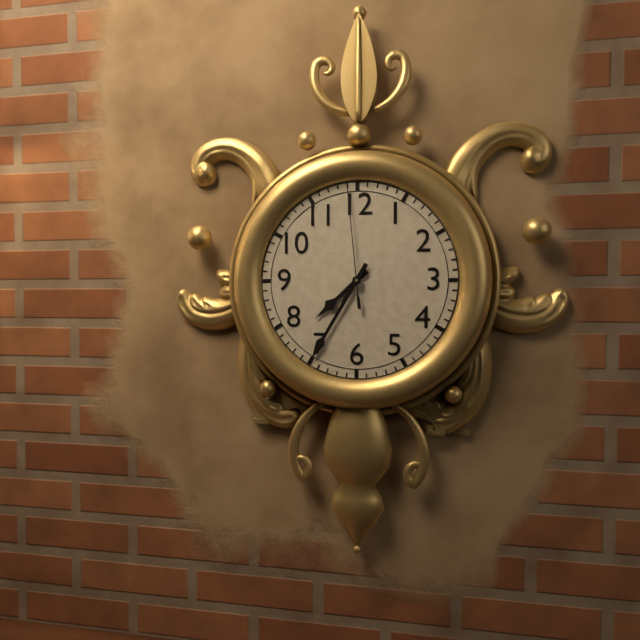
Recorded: h=7 m=35 s=59
